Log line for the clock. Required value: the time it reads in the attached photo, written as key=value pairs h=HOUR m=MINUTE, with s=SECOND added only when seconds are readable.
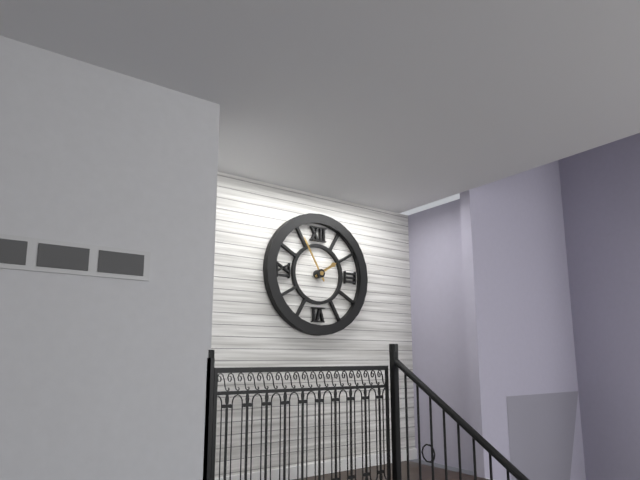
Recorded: h=1 m=55
